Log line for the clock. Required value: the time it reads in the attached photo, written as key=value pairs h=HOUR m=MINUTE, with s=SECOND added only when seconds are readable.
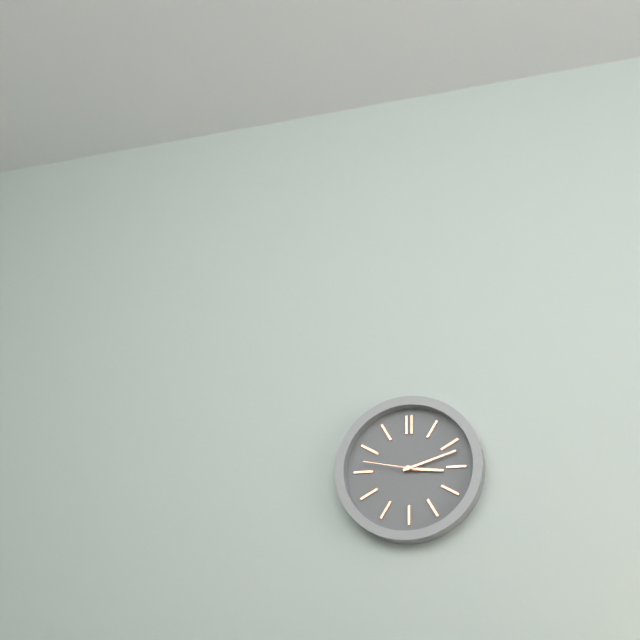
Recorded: h=3 m=12 s=47
